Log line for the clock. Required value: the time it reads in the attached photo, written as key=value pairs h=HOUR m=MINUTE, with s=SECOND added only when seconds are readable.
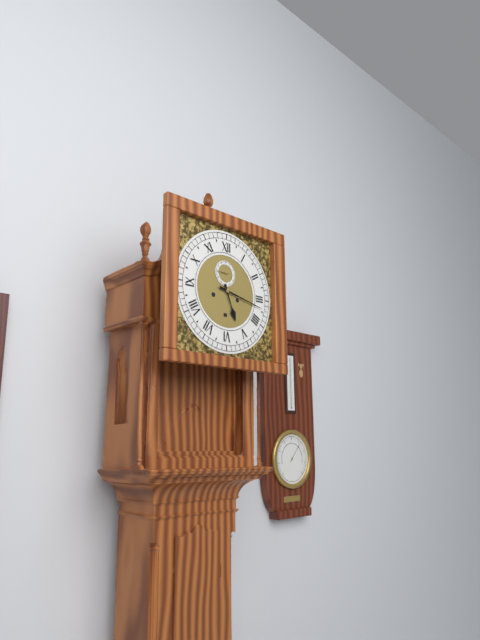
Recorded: h=5 m=17
